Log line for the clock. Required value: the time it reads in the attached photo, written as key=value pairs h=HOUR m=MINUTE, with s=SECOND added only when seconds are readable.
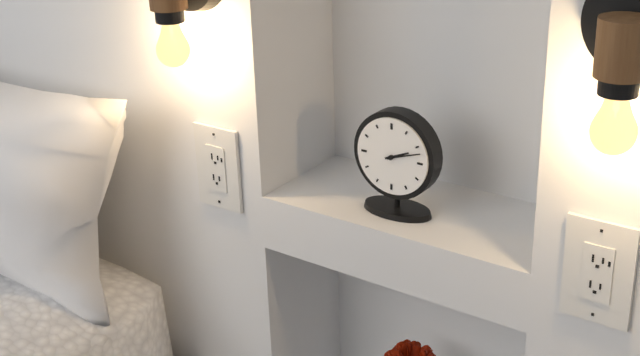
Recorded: h=2 m=12
